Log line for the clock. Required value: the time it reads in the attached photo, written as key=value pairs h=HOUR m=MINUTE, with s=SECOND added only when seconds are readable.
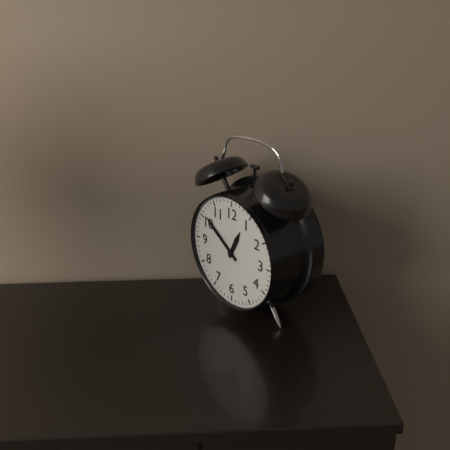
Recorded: h=12 m=51
